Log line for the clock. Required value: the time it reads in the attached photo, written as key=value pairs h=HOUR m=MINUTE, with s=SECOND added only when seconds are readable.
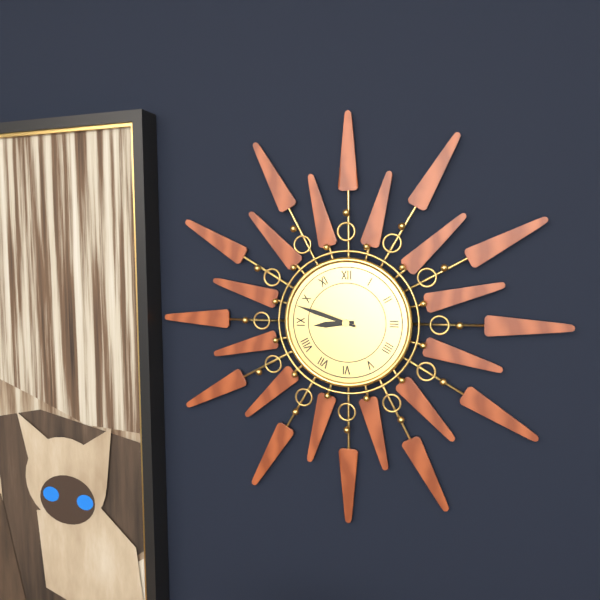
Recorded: h=8 m=48
